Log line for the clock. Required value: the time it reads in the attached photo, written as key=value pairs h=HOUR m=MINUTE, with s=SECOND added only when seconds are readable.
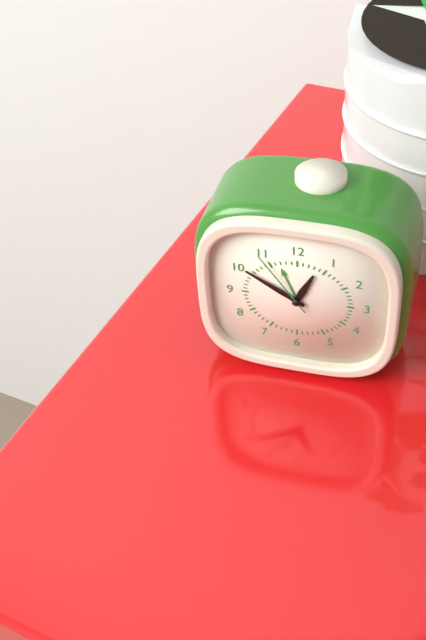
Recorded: h=12 m=50 s=54
